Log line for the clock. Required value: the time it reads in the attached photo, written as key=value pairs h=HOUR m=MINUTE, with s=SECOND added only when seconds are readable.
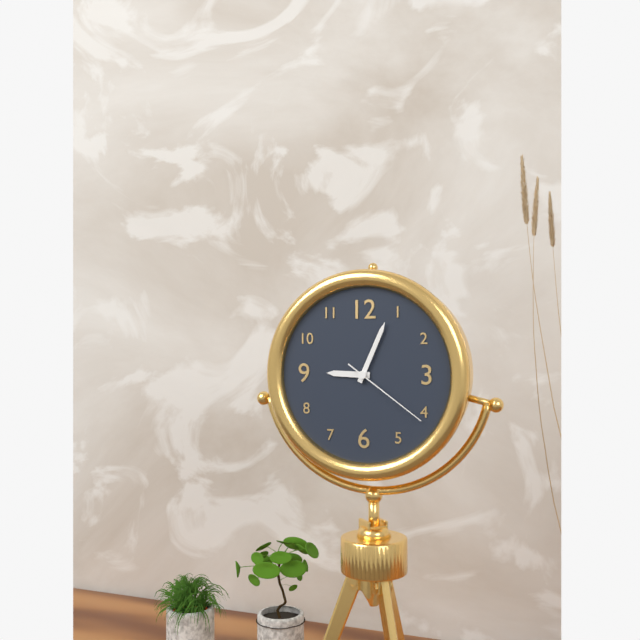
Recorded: h=9 m=4 s=21
